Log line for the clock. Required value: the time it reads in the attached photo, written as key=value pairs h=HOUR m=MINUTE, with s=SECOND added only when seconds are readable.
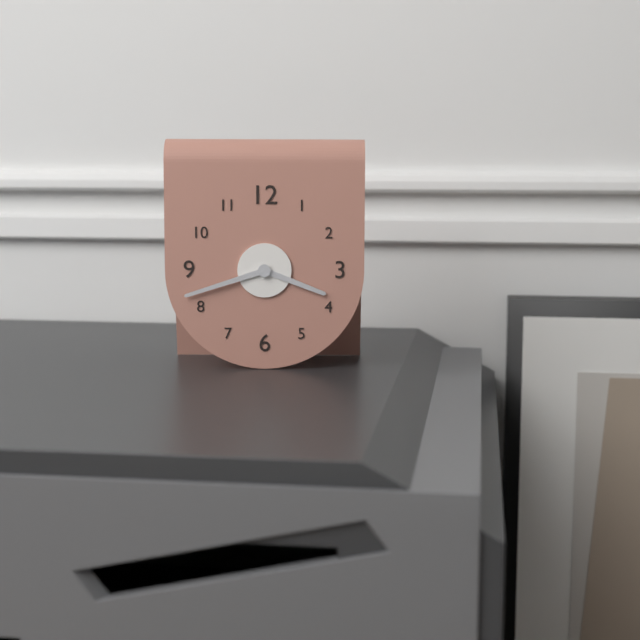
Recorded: h=3 m=42
